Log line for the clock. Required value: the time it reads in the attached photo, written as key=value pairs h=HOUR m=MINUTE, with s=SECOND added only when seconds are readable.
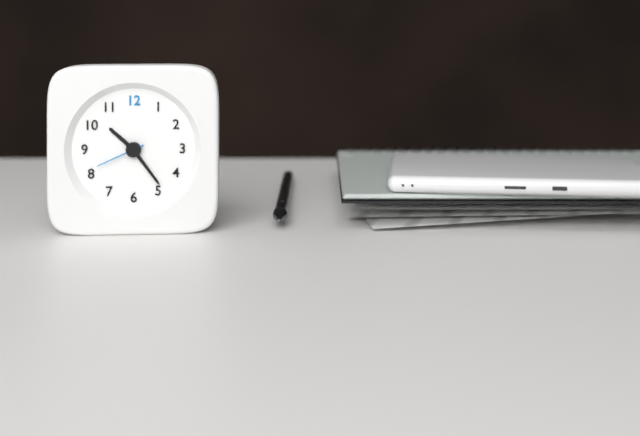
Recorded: h=10 m=24 s=41
